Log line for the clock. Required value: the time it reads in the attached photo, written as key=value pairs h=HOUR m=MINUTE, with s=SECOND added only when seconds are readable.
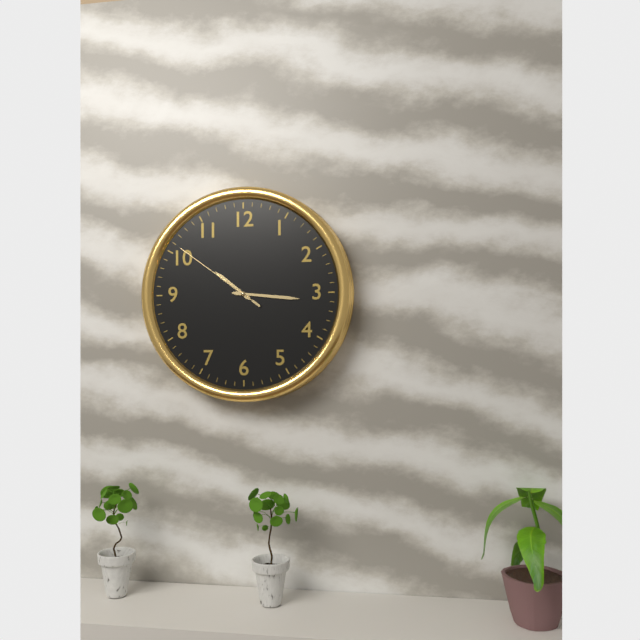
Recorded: h=10 m=16 s=51
